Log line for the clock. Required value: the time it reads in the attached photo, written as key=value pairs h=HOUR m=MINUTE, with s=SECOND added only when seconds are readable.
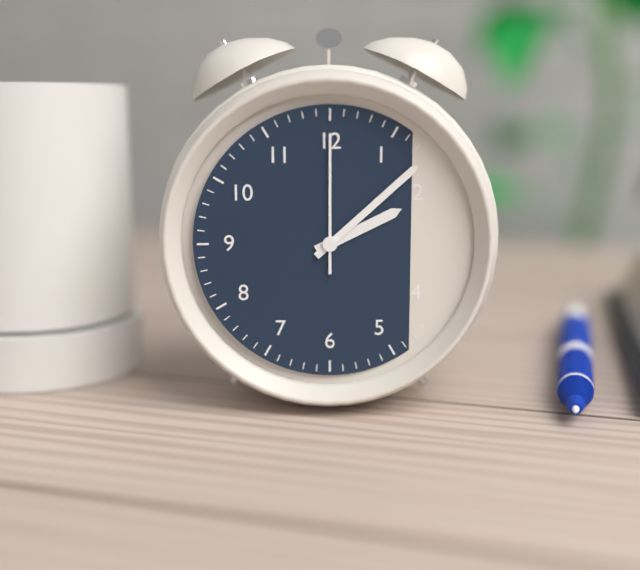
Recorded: h=2 m=8 s=0
